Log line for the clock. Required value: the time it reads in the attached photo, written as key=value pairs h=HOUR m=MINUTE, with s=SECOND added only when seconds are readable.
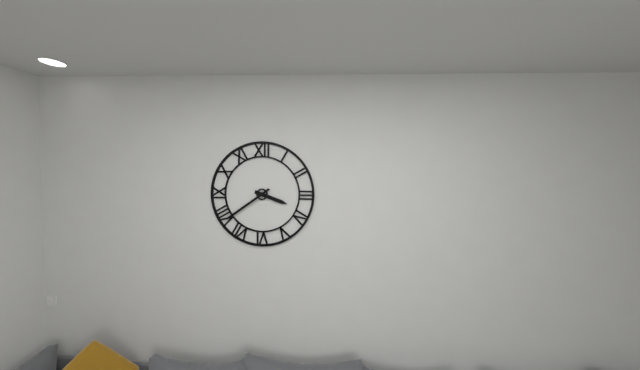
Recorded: h=3 m=39
